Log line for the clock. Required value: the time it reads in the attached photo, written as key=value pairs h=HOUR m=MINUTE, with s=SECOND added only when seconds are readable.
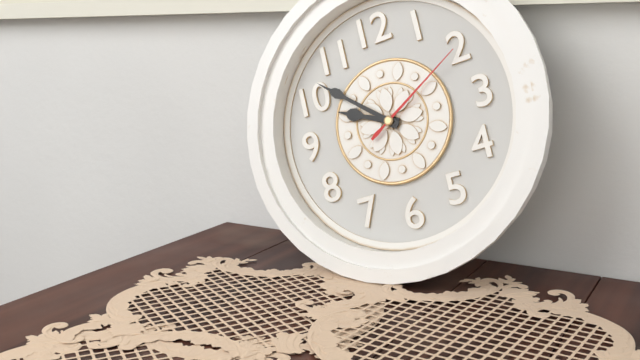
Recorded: h=9 m=52 s=10
